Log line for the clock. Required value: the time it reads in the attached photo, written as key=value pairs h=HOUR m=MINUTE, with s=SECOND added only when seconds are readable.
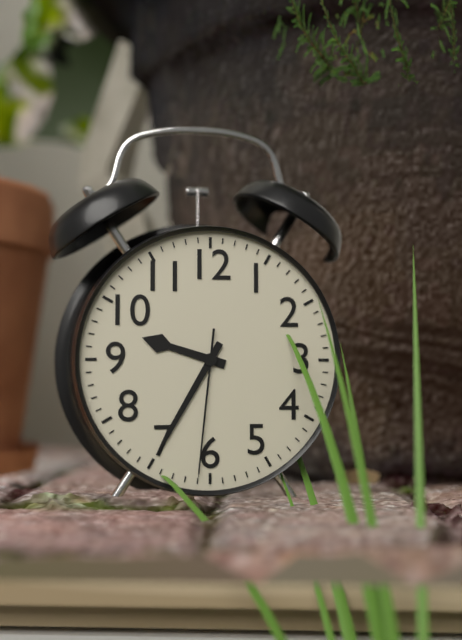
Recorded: h=9 m=35 s=31
